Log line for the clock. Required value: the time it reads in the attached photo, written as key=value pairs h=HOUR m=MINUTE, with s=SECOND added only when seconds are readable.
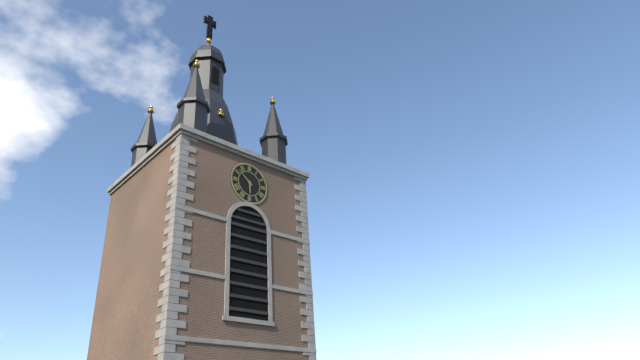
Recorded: h=5 m=52
